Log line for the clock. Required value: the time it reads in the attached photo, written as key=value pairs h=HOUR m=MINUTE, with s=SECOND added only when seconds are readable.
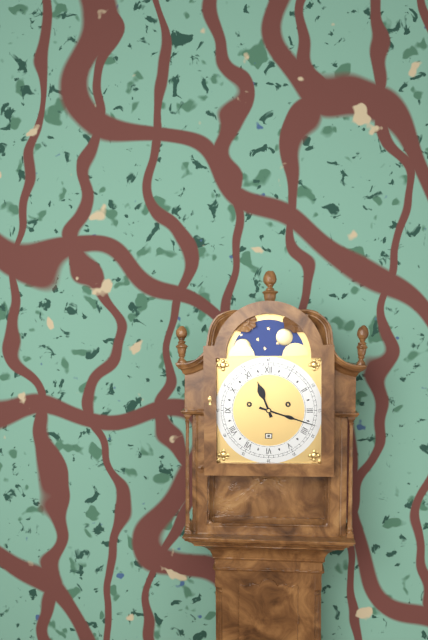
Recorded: h=11 m=18
